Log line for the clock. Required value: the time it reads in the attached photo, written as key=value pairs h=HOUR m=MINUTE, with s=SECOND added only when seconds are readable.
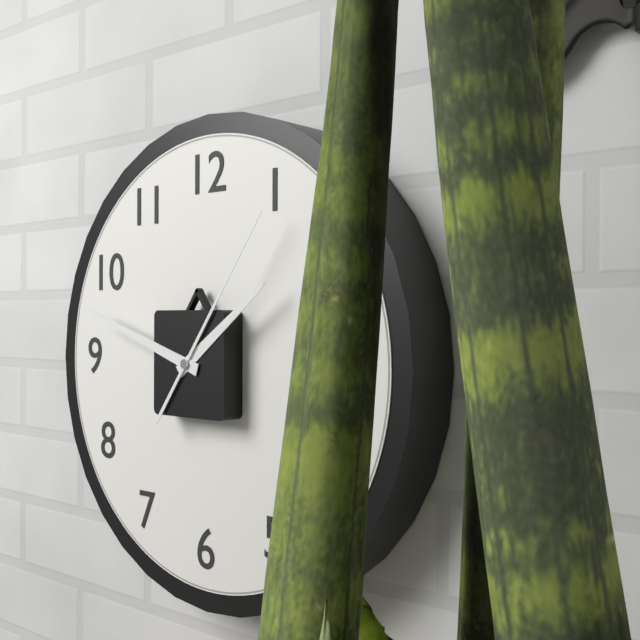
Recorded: h=1 m=48 s=6
